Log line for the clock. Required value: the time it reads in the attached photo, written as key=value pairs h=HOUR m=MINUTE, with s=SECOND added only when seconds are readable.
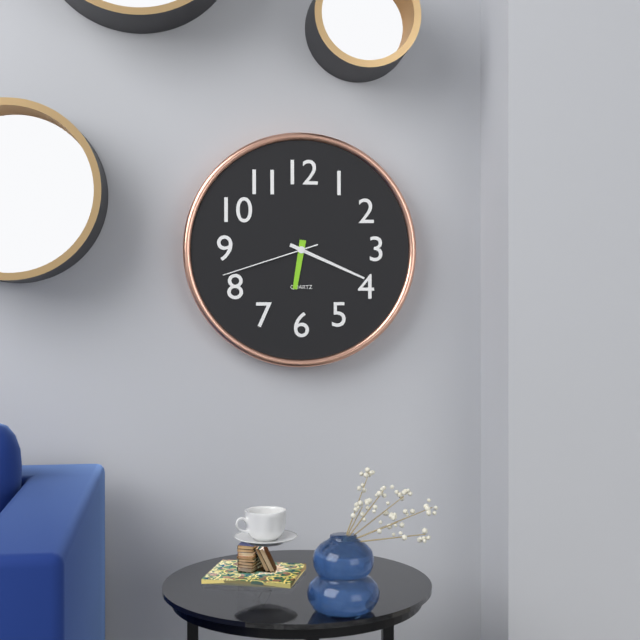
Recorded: h=6 m=19 s=42
